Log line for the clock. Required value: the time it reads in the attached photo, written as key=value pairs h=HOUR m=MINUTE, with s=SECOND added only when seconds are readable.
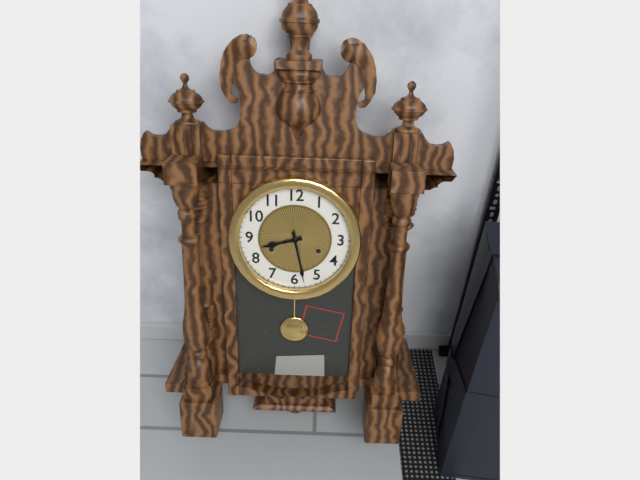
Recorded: h=8 m=28
